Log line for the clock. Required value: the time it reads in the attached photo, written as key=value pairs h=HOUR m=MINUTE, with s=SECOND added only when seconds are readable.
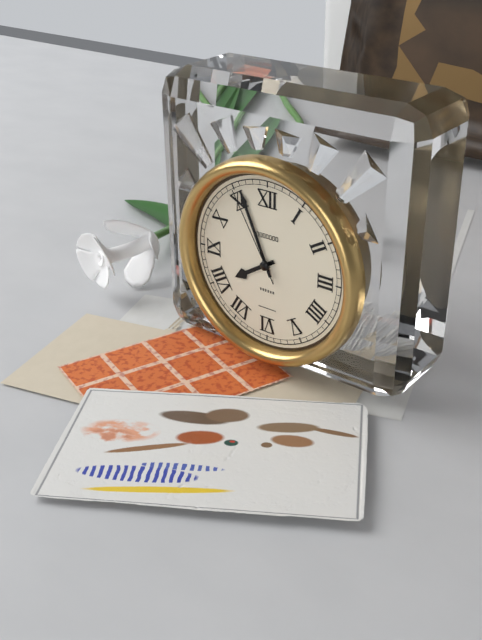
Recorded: h=7 m=56 s=55
